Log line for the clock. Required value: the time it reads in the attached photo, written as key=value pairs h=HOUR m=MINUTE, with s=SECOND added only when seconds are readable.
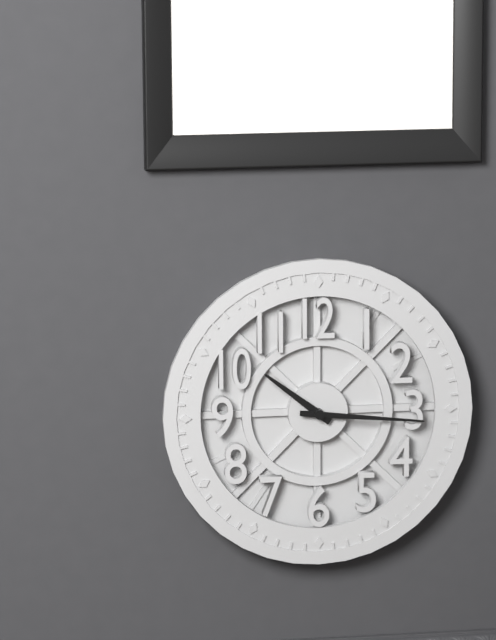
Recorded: h=10 m=16
